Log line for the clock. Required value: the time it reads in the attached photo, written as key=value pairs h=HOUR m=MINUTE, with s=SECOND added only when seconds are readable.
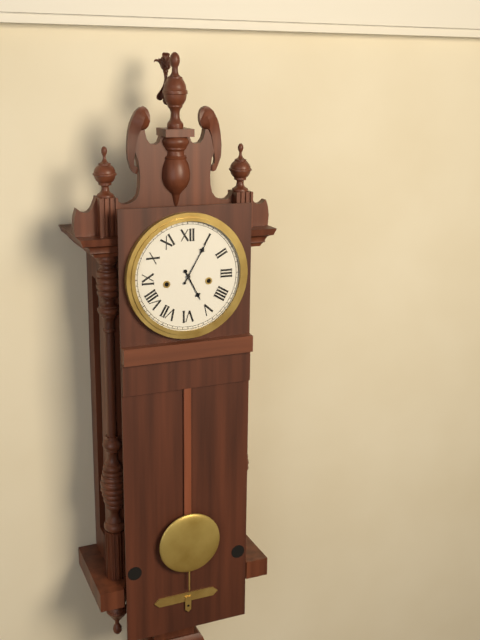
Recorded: h=5 m=5
